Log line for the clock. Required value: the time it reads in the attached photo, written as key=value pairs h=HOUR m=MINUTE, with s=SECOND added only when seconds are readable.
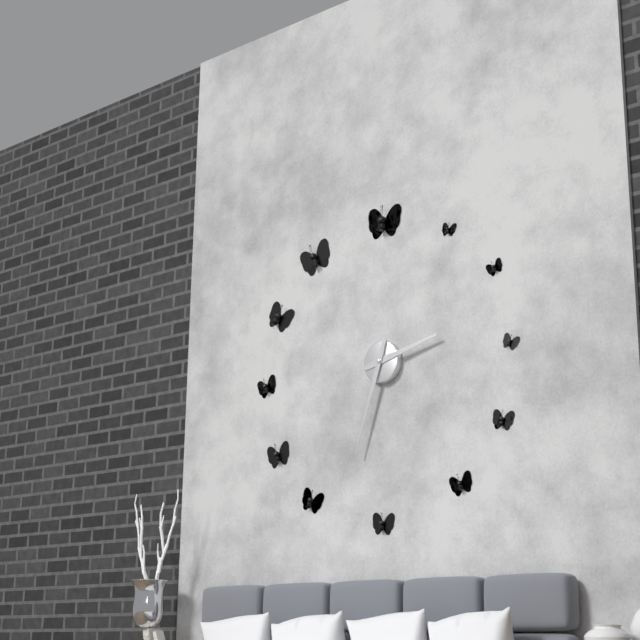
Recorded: h=2 m=33
